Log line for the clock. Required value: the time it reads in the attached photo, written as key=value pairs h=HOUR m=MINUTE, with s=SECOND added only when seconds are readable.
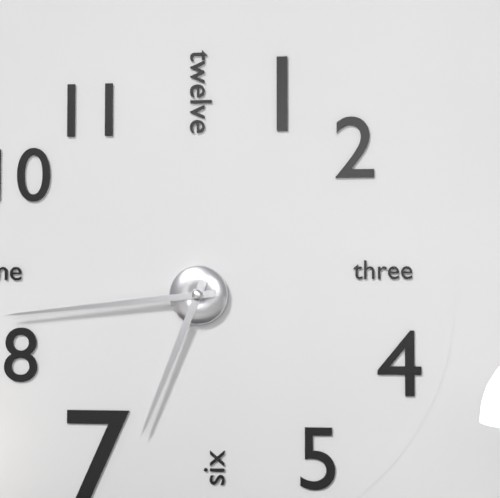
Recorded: h=6 m=44
